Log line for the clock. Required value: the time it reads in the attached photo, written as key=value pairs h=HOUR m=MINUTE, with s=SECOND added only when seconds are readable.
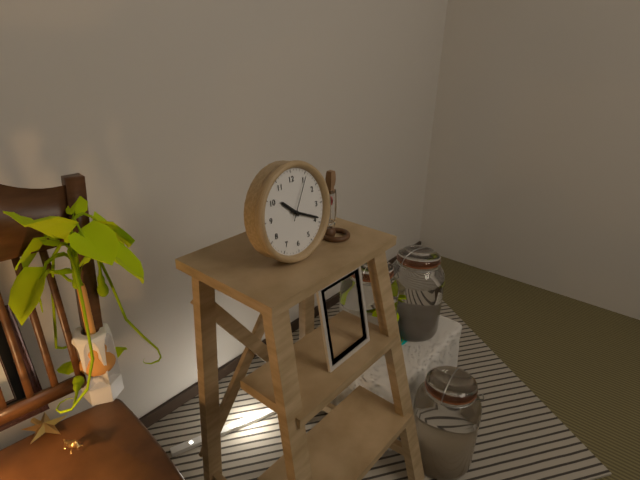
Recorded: h=10 m=19
